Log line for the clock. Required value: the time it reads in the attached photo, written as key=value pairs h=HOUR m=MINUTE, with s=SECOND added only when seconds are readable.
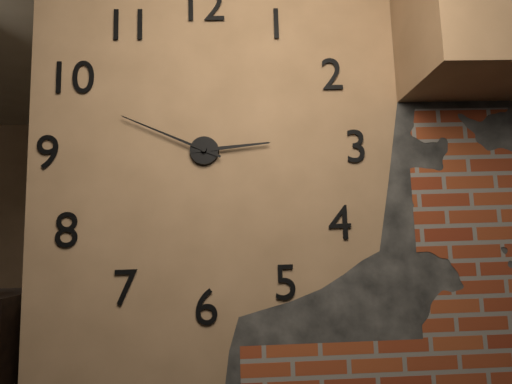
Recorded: h=2 m=49
